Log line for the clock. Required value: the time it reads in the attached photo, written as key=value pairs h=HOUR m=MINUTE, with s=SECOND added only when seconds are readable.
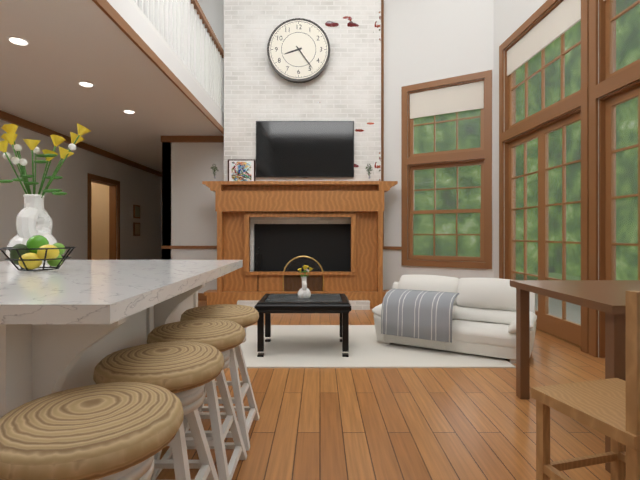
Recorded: h=8 m=24
